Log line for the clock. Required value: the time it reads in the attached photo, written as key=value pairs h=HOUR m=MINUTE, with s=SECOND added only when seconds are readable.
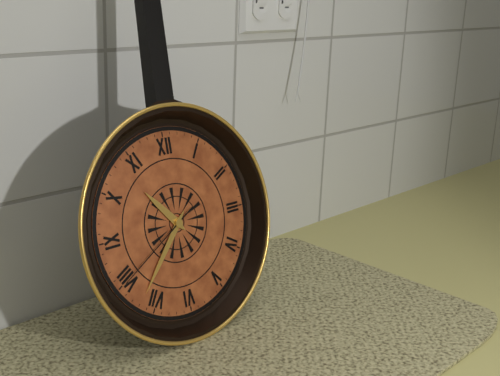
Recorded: h=10 m=37 s=40
